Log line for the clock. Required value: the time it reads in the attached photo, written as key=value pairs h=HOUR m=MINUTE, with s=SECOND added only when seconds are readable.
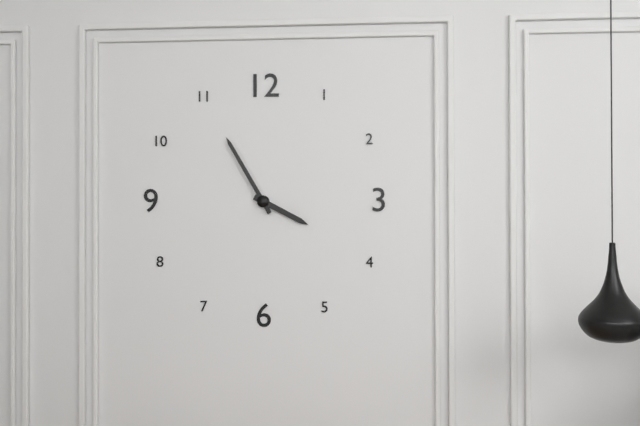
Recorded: h=3 m=55
